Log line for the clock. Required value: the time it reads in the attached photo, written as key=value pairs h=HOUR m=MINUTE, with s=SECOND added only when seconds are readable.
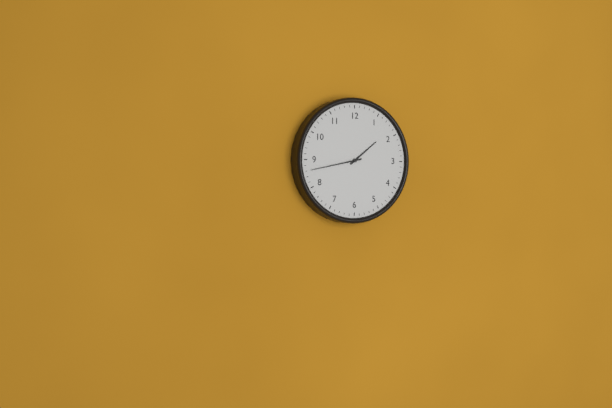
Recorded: h=1 m=43
